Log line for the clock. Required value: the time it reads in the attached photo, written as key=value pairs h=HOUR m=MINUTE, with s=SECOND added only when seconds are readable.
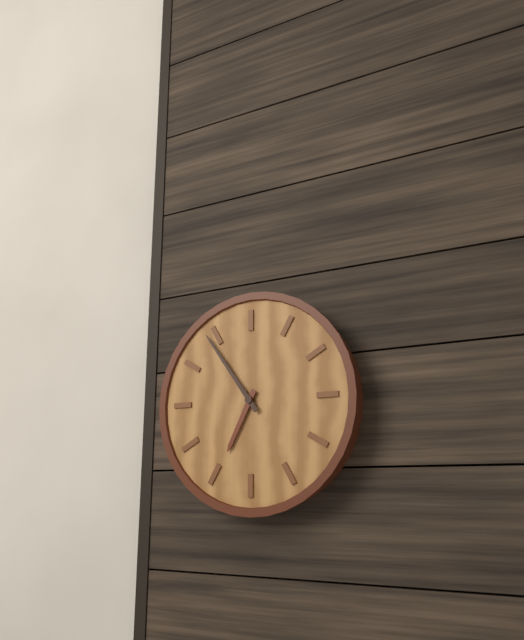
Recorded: h=6 m=54
